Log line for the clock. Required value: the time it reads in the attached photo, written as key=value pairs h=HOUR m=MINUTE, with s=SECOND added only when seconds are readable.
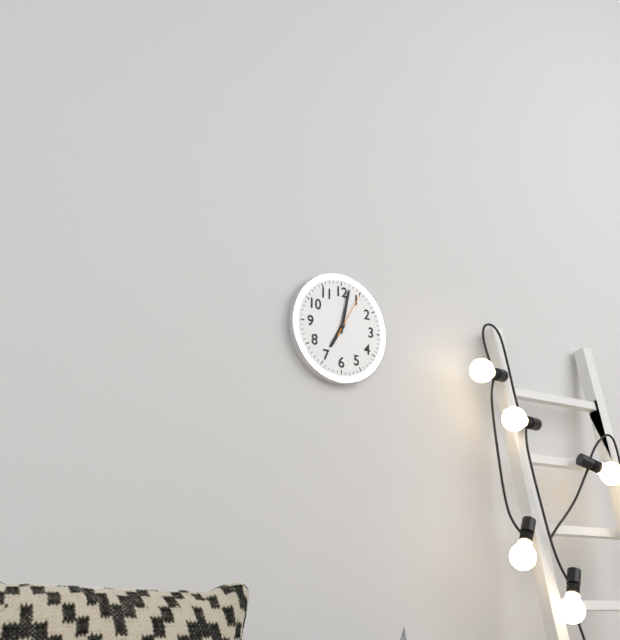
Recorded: h=7 m=2
